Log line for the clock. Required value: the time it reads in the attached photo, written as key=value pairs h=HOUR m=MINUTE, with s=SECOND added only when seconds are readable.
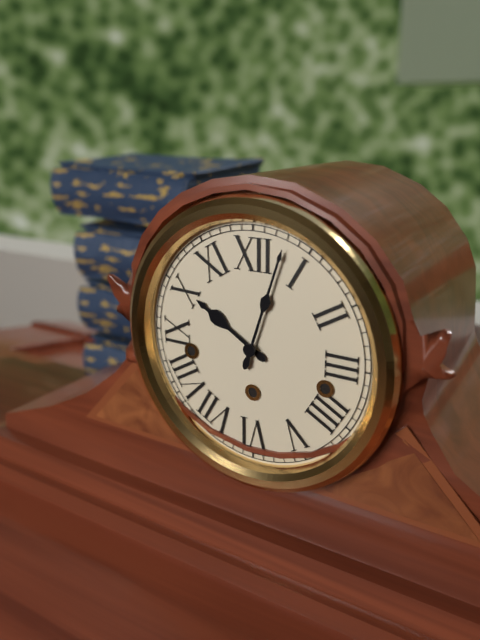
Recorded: h=10 m=3
